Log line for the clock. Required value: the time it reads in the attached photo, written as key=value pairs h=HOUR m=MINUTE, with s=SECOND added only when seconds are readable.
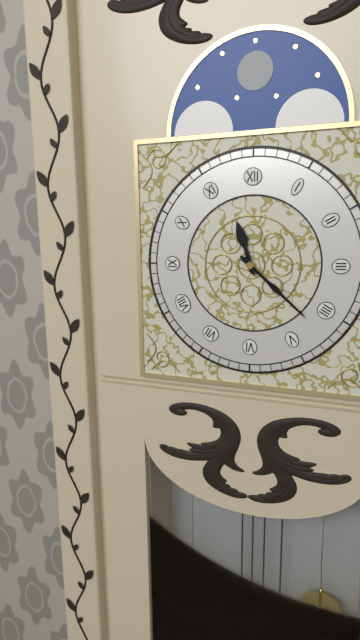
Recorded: h=11 m=22
